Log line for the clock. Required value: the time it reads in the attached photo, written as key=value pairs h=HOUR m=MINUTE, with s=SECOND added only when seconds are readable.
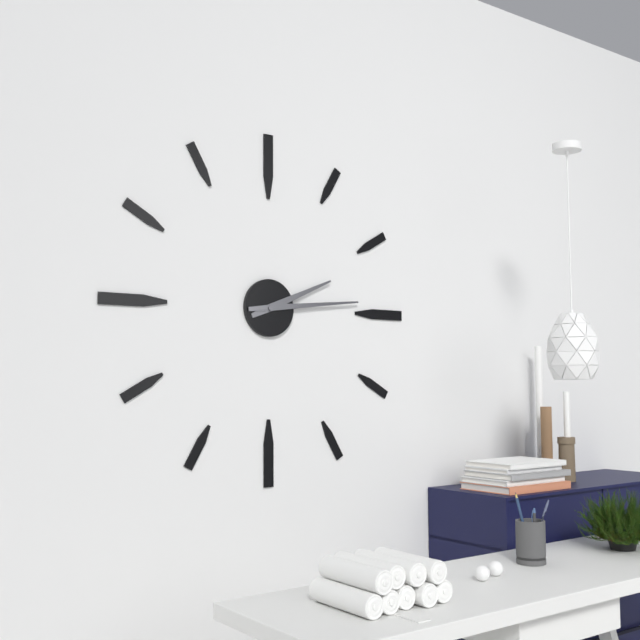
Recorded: h=2 m=14
